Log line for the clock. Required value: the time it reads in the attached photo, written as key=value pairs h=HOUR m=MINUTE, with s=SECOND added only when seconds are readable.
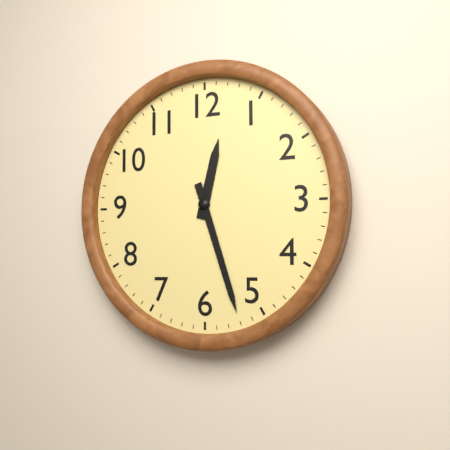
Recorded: h=12 m=27
